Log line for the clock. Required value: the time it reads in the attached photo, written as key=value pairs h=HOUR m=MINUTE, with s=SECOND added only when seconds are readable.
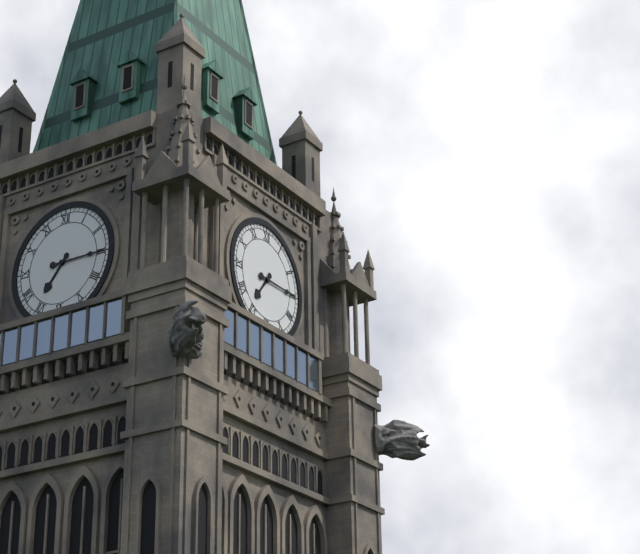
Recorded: h=7 m=15
